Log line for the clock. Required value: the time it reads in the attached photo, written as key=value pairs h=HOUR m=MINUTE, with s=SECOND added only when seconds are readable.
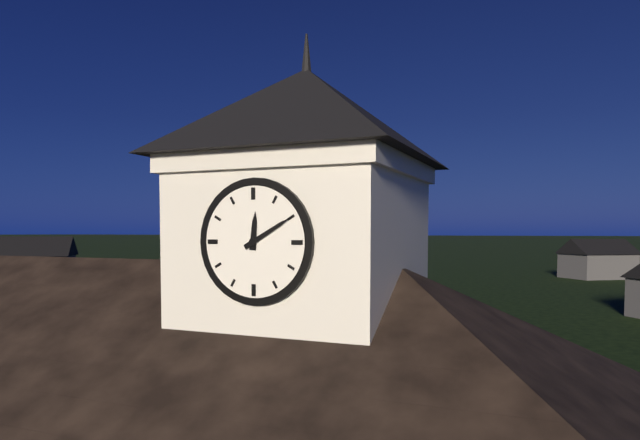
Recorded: h=12 m=10
